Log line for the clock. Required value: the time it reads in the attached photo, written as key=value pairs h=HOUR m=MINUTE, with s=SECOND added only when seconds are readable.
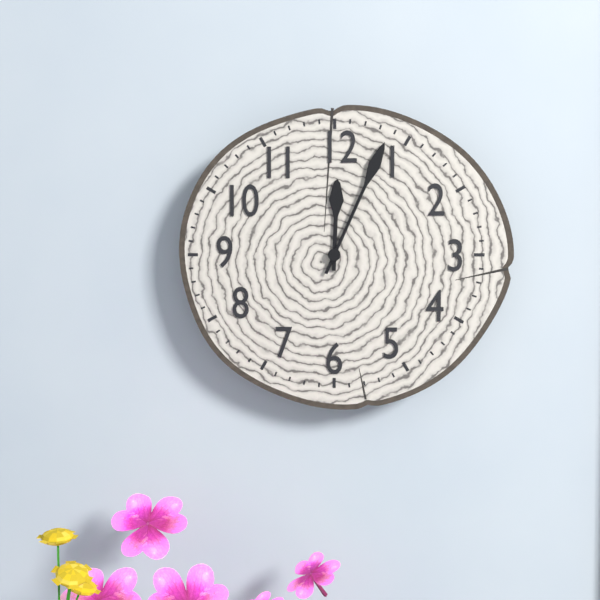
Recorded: h=12 m=4
